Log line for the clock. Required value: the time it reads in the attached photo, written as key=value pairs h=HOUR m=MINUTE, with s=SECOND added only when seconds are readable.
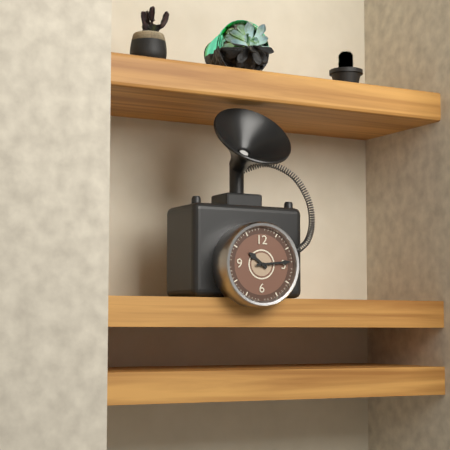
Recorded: h=10 m=14
